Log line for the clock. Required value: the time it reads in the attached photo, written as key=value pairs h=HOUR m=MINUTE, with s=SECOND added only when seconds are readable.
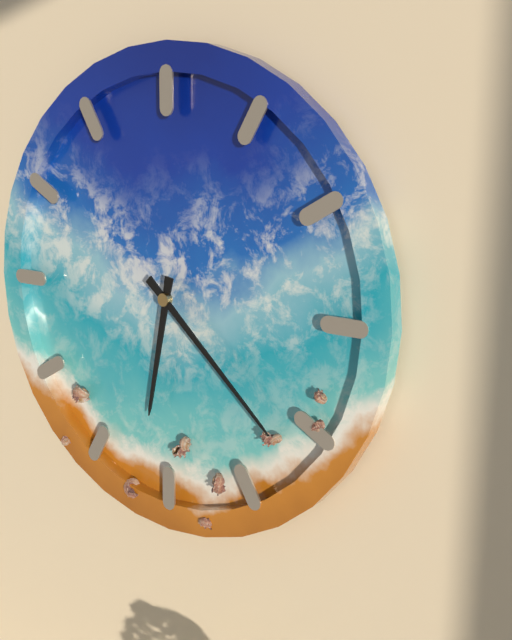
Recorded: h=6 m=22
